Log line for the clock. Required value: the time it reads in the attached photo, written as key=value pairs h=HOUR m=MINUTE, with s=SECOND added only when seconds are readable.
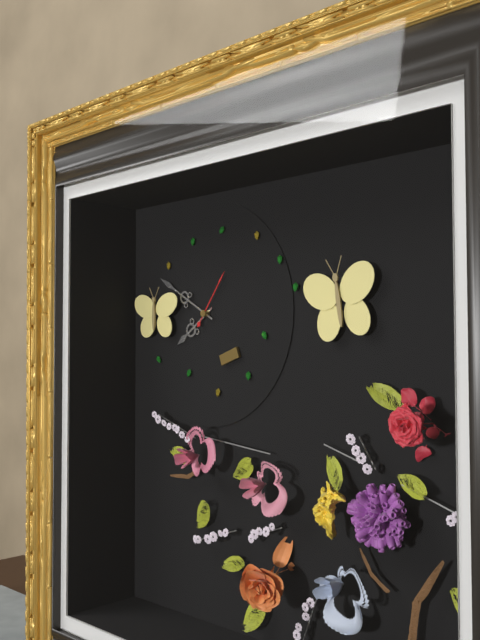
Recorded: h=7 m=50 s=6
